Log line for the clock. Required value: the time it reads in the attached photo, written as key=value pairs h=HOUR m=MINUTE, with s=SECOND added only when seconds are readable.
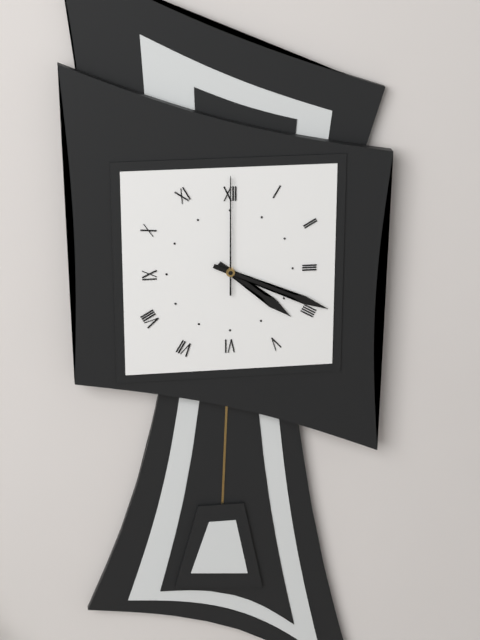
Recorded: h=4 m=19 s=0
